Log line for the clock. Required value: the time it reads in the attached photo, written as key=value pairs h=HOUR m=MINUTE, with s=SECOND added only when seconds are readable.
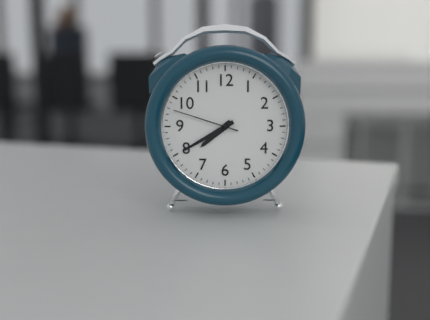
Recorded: h=7 m=40 s=48
